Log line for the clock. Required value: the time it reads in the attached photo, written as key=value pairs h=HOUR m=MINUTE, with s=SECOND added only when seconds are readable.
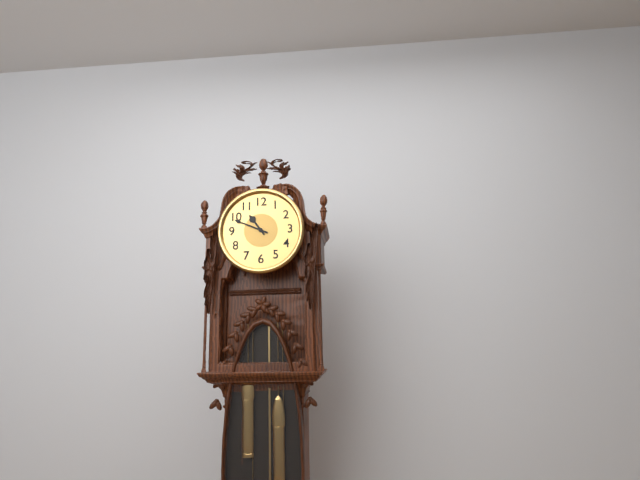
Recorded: h=10 m=49
